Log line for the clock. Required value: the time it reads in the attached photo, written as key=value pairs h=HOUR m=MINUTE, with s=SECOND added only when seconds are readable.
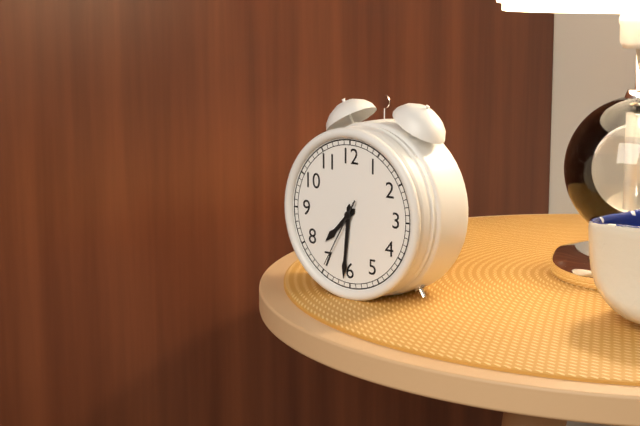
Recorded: h=7 m=31 s=35
